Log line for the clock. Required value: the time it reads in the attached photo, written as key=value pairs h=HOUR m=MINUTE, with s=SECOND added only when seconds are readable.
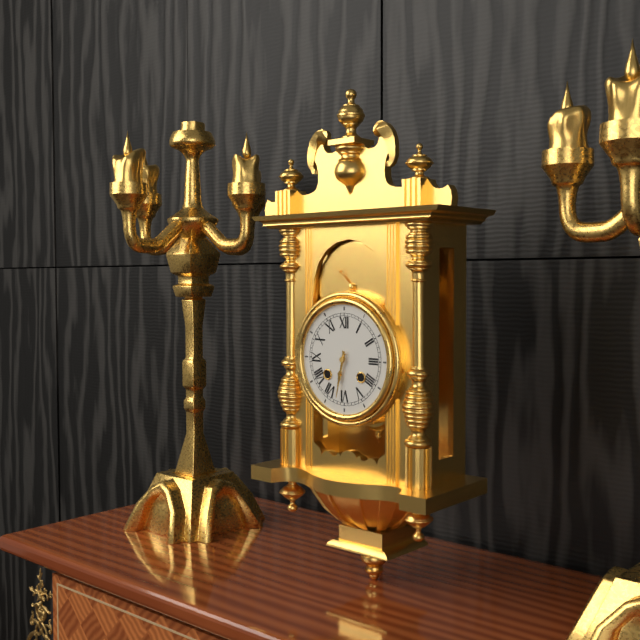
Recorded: h=6 m=32
